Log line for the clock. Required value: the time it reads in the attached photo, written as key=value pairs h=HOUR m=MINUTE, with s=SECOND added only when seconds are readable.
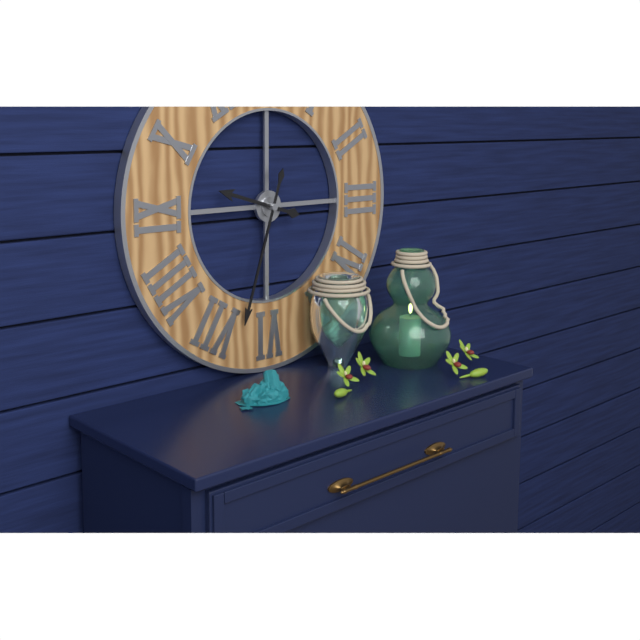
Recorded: h=9 m=33
